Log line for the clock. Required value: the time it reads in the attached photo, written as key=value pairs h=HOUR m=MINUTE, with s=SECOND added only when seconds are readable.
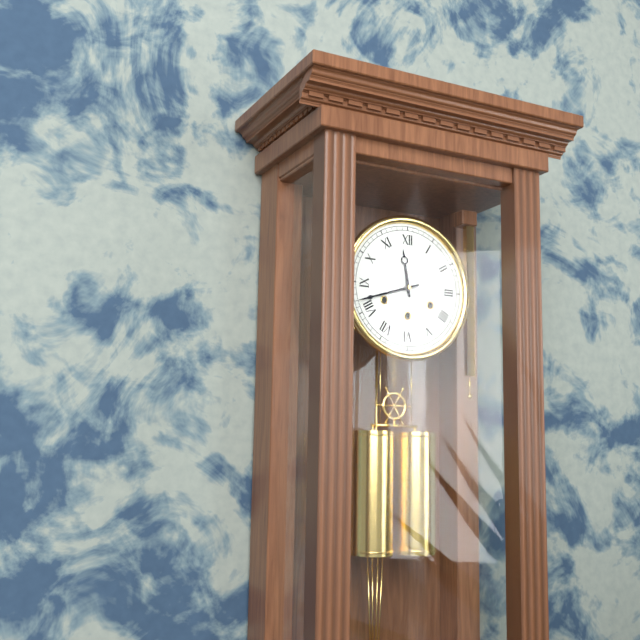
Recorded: h=11 m=42
